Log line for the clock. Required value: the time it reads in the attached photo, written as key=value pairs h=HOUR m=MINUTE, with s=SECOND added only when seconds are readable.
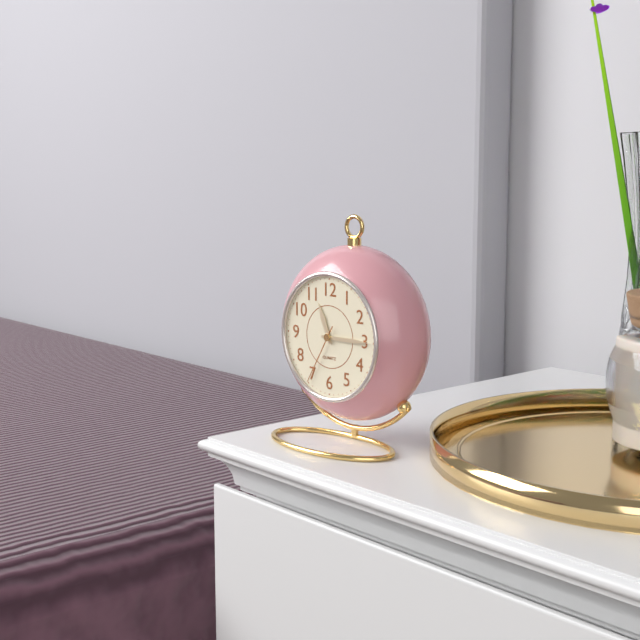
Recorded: h=11 m=15 s=35
